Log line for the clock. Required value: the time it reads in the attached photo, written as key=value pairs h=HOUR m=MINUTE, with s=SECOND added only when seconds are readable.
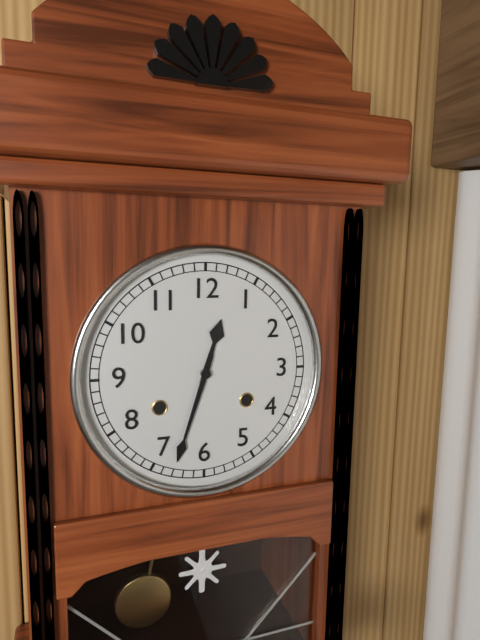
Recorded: h=12 m=33
